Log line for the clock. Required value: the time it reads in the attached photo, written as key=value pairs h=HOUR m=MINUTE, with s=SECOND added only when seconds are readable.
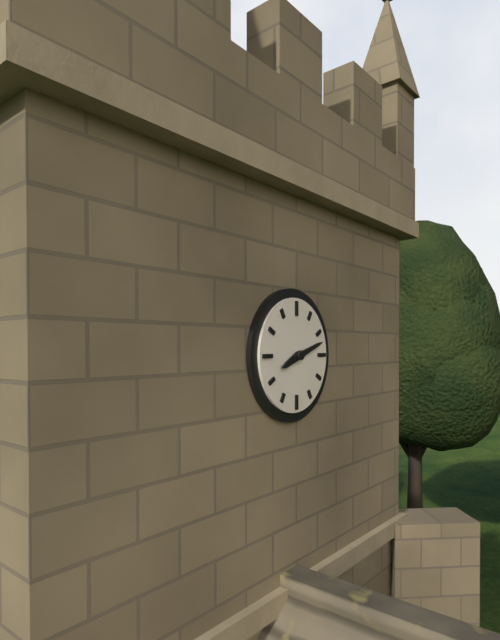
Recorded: h=8 m=12
